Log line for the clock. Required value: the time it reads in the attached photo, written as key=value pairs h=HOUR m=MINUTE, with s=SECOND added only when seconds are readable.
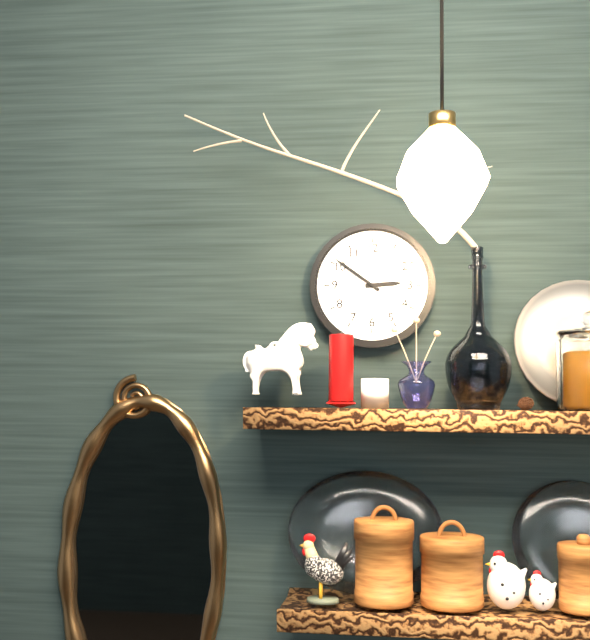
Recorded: h=2 m=51
